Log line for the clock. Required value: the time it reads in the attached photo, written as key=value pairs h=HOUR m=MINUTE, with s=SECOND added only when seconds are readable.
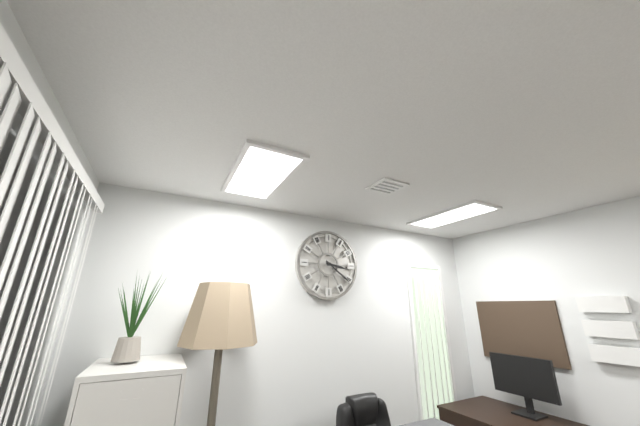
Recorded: h=3 m=21
